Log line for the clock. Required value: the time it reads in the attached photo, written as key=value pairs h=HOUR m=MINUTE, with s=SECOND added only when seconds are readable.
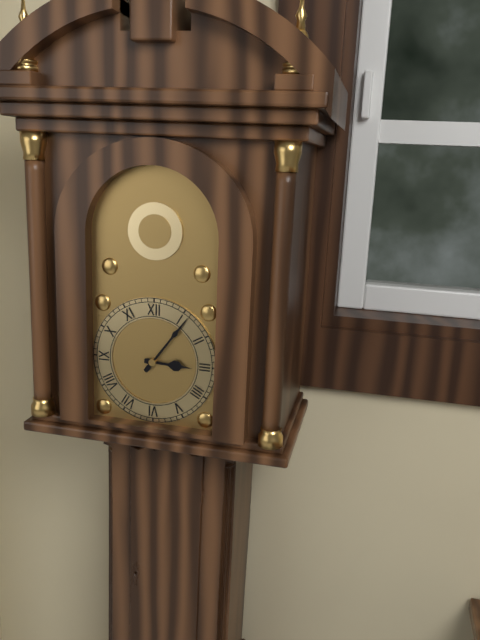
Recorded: h=3 m=6
